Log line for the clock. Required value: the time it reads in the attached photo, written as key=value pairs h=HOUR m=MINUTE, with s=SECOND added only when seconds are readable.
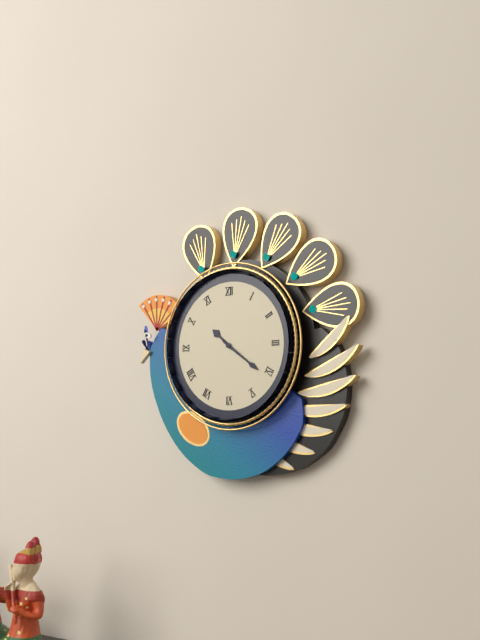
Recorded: h=10 m=21
